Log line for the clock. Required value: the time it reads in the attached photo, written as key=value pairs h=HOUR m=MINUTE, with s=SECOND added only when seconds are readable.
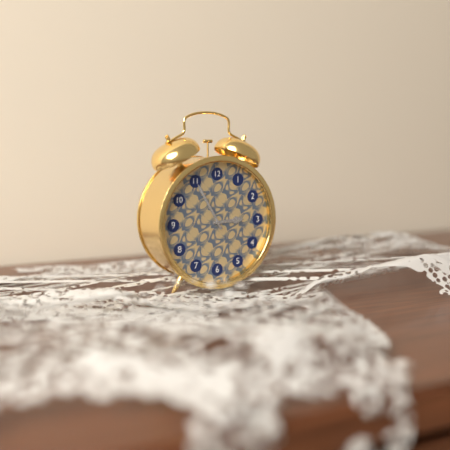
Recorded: h=2 m=55
